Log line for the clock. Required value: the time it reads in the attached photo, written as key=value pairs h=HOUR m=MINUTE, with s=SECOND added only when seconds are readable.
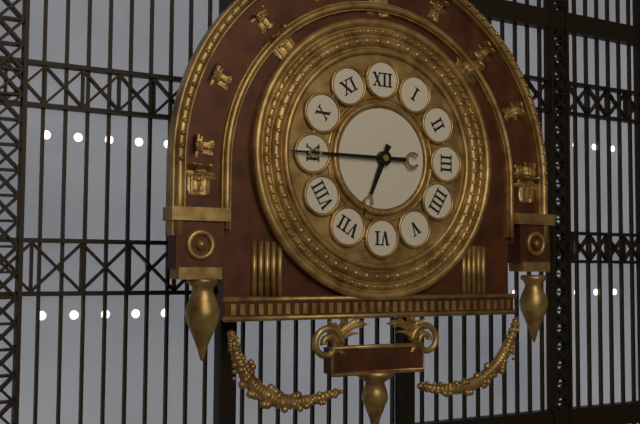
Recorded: h=6 m=45
